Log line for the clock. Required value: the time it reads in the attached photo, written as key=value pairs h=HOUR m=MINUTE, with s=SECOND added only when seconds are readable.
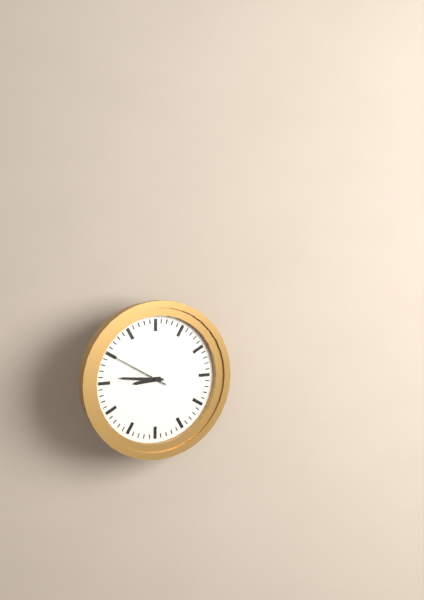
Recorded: h=8 m=46 s=50
